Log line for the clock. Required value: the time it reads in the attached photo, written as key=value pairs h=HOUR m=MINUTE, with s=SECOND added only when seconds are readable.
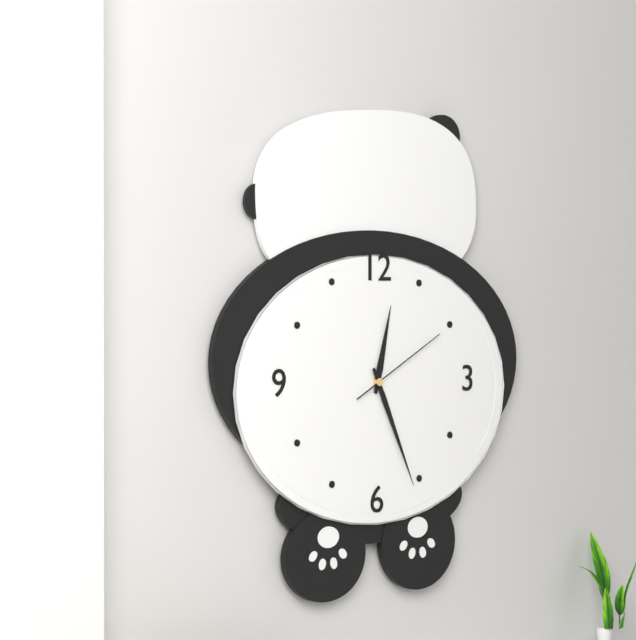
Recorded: h=12 m=26 s=10
